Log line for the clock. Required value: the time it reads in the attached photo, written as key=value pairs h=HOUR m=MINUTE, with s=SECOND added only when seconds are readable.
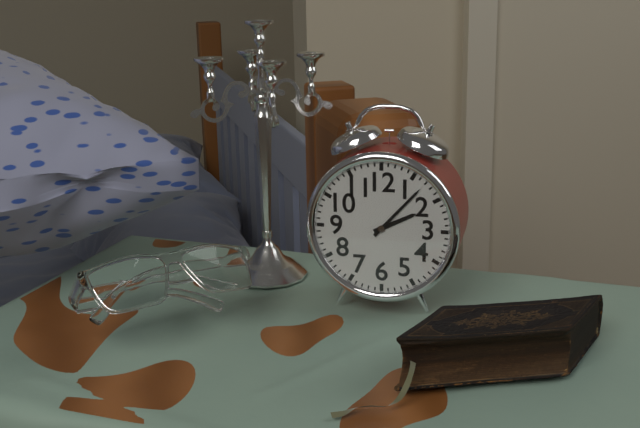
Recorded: h=2 m=7
